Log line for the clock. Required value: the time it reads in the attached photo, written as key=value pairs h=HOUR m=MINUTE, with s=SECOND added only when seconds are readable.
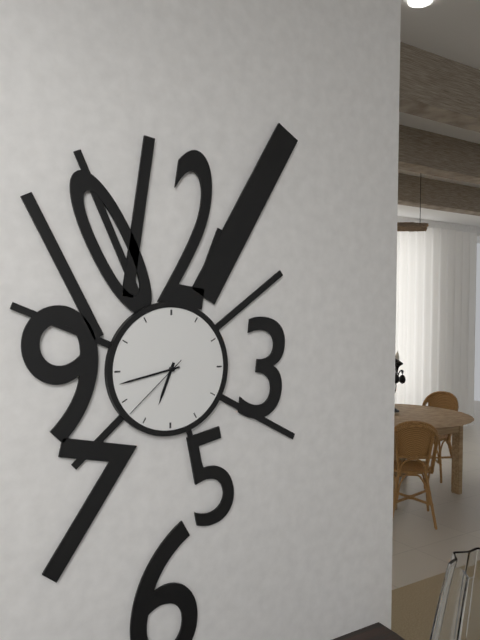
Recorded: h=6 m=43 s=38
